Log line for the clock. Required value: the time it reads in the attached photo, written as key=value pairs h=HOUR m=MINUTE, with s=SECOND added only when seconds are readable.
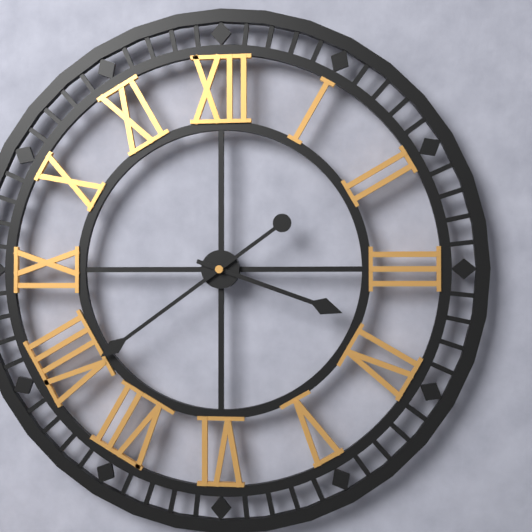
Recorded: h=3 m=39
